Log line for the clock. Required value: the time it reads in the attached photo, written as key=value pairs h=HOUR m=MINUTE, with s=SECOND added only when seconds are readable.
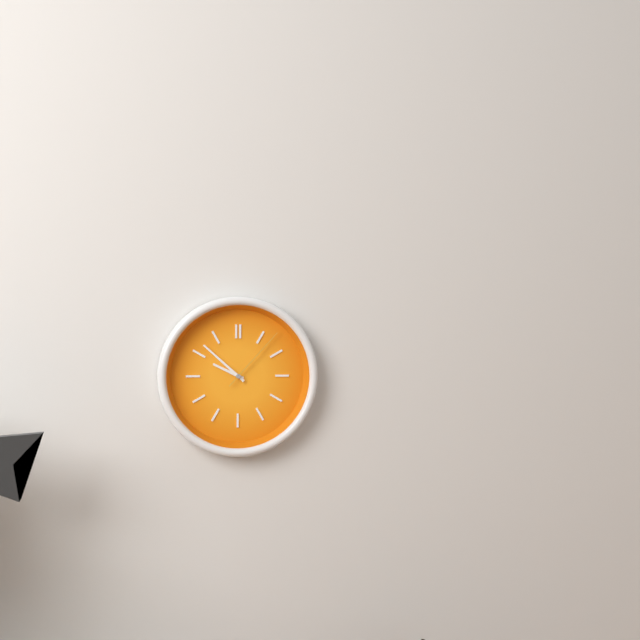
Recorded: h=9 m=52 s=7
